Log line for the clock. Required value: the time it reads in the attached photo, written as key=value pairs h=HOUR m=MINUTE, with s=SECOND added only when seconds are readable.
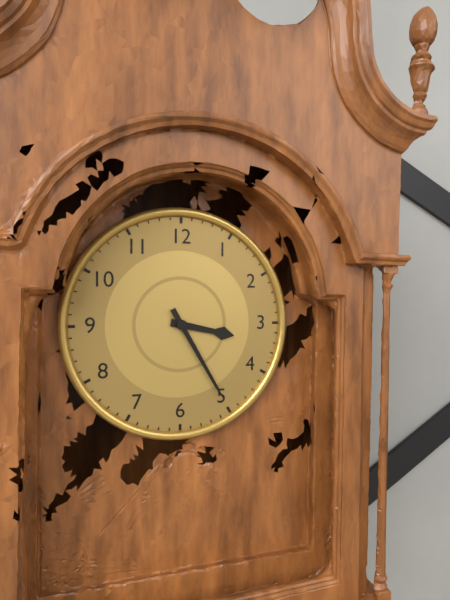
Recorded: h=3 m=25
